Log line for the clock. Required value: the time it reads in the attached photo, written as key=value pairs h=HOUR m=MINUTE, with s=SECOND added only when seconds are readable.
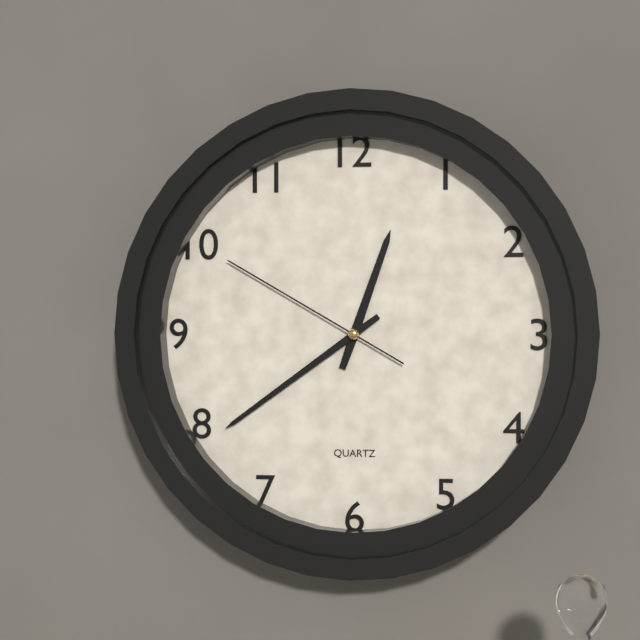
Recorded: h=12 m=39 s=50
